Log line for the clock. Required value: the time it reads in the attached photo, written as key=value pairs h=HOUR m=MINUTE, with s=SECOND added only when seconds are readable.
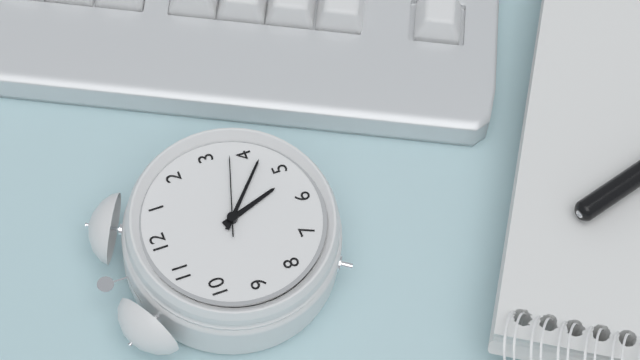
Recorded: h=5 m=22 s=18
